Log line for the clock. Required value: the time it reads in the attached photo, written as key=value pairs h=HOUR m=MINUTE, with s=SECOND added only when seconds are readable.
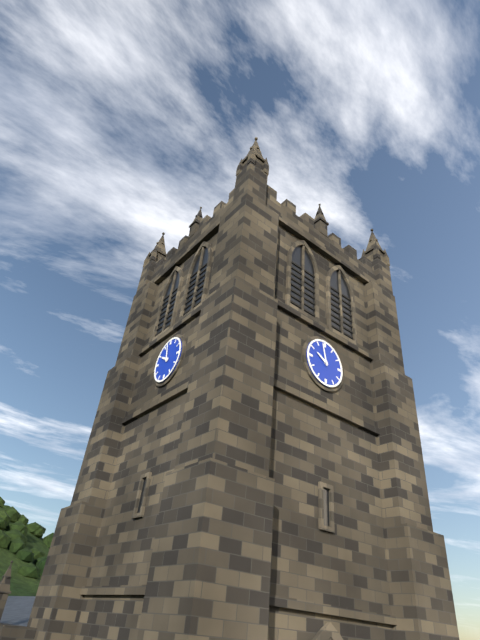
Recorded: h=9 m=58
